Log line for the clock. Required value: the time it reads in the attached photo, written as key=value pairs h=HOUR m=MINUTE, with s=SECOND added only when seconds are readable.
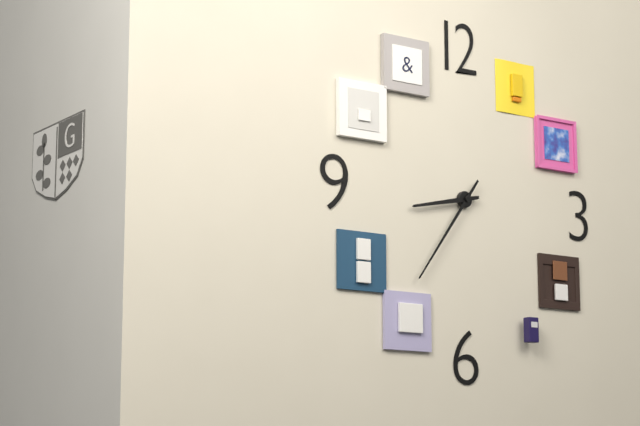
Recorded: h=8 m=36
